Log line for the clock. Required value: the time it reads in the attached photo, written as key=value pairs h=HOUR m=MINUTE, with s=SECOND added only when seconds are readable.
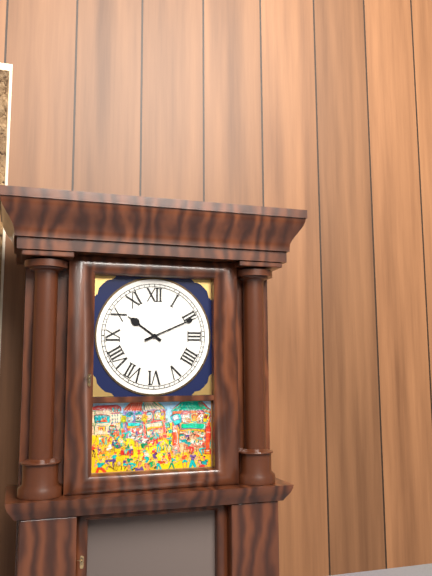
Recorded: h=10 m=11
